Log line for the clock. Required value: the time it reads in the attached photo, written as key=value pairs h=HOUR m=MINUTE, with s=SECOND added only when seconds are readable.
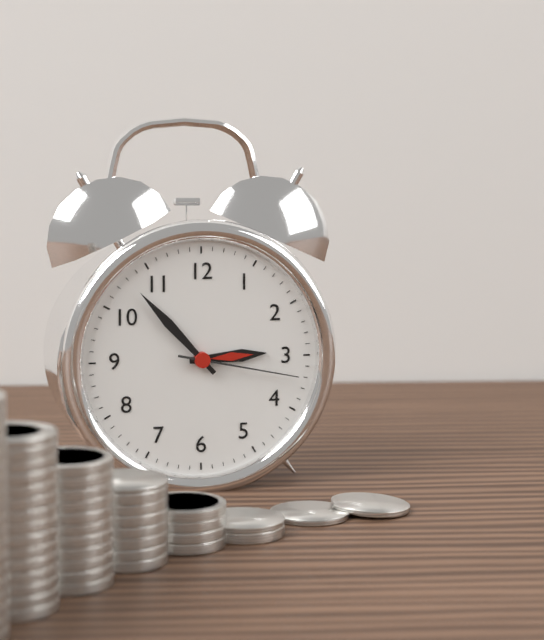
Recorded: h=2 m=53 s=17
